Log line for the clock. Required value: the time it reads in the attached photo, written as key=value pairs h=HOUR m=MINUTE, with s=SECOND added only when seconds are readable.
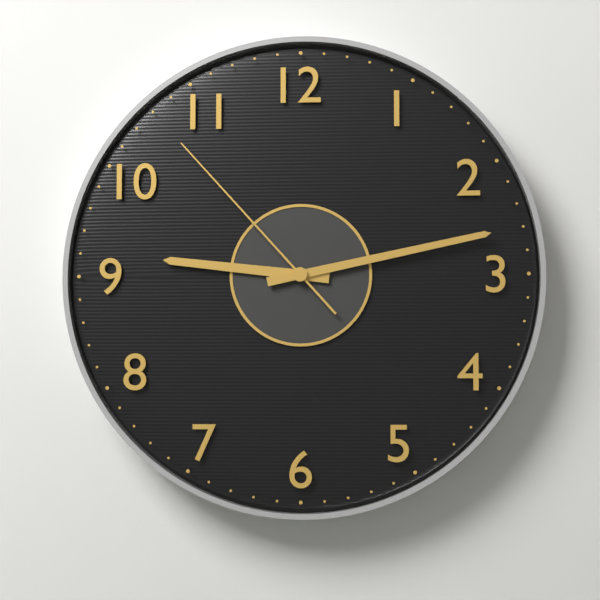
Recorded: h=9 m=13 s=53
